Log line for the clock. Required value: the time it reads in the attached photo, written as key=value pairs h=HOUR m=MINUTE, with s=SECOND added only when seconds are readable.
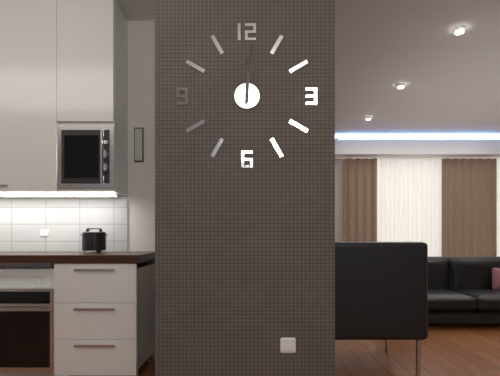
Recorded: h=12 m=1
